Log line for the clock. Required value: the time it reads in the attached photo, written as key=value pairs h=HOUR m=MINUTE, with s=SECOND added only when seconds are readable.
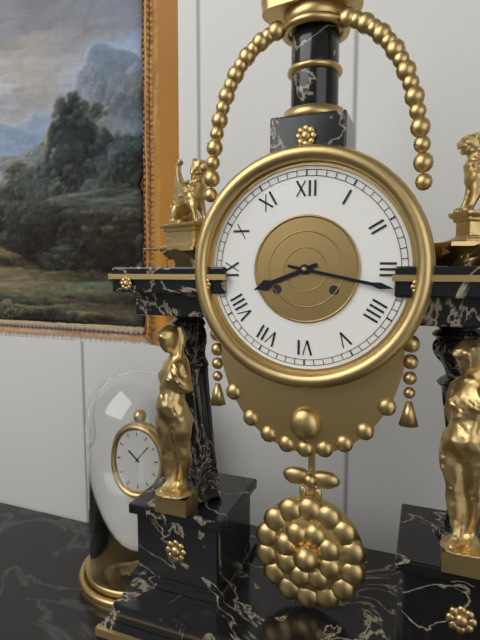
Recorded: h=8 m=17
